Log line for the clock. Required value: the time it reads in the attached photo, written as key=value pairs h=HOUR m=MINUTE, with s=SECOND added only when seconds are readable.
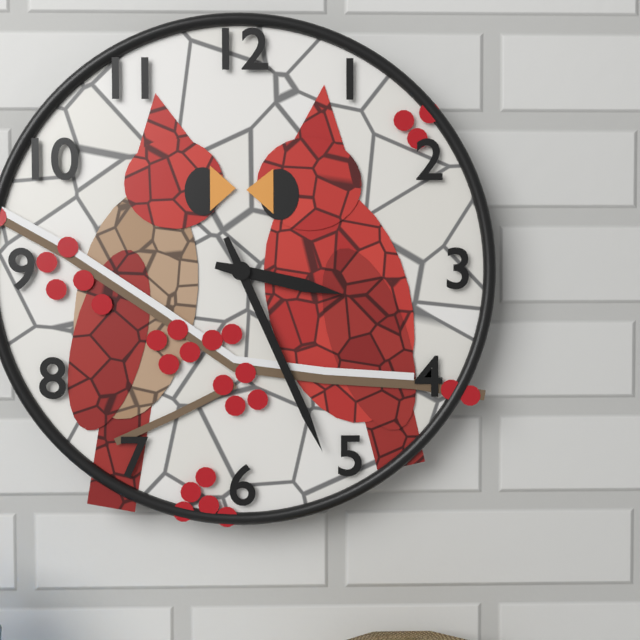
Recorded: h=3 m=26
